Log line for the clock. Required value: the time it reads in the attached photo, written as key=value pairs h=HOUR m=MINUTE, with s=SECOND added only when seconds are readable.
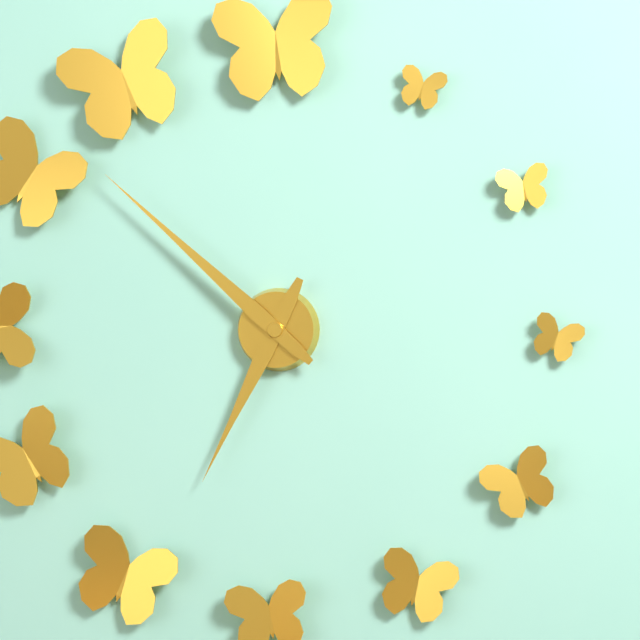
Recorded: h=6 m=52
